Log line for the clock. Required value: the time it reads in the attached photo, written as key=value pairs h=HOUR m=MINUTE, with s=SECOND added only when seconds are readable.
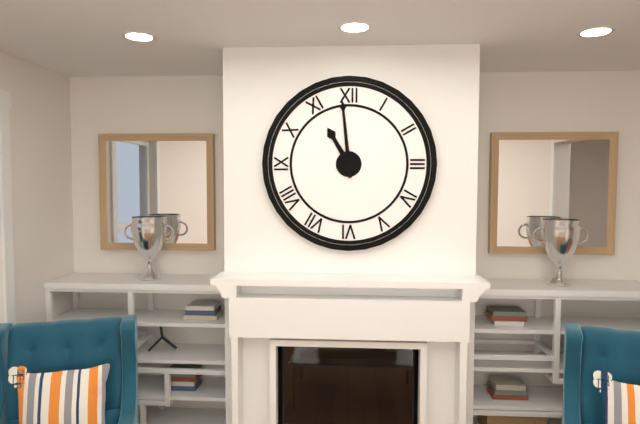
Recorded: h=10 m=59
